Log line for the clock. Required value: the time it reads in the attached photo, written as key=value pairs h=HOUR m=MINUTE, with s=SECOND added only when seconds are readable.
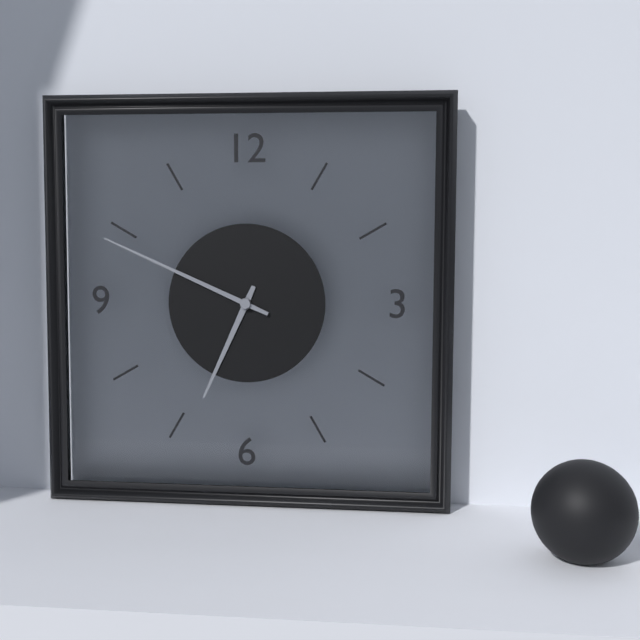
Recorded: h=6 m=49
